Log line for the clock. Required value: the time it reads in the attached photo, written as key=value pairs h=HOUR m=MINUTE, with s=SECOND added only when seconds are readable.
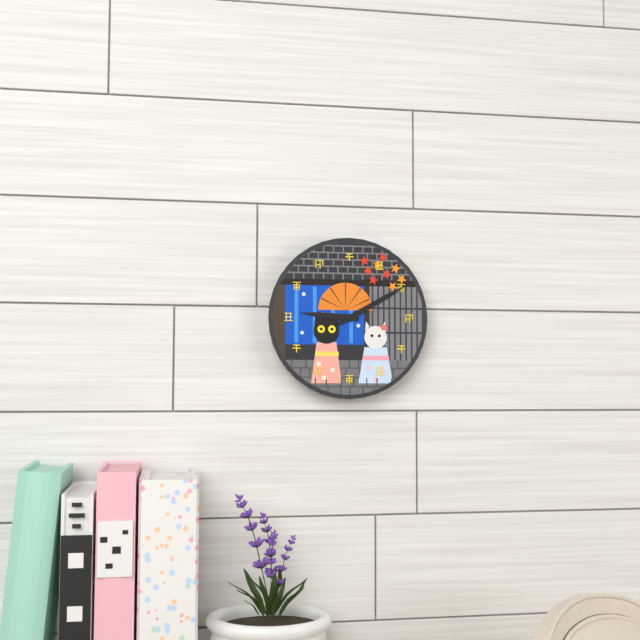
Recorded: h=9 m=10
